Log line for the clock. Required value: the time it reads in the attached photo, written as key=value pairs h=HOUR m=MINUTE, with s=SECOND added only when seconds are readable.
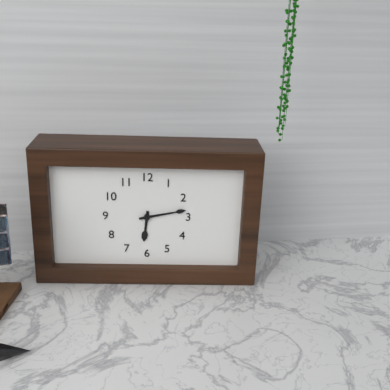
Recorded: h=6 m=13
